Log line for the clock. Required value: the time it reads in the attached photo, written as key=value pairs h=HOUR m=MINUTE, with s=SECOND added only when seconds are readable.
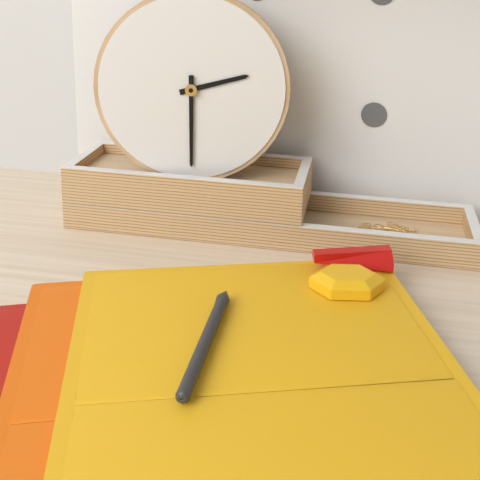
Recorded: h=2 m=30
